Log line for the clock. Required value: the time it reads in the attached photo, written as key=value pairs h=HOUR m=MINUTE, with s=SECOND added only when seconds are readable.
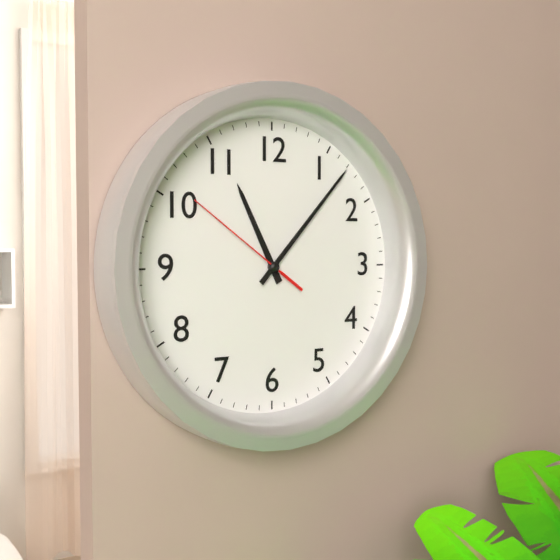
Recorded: h=11 m=7 s=51
